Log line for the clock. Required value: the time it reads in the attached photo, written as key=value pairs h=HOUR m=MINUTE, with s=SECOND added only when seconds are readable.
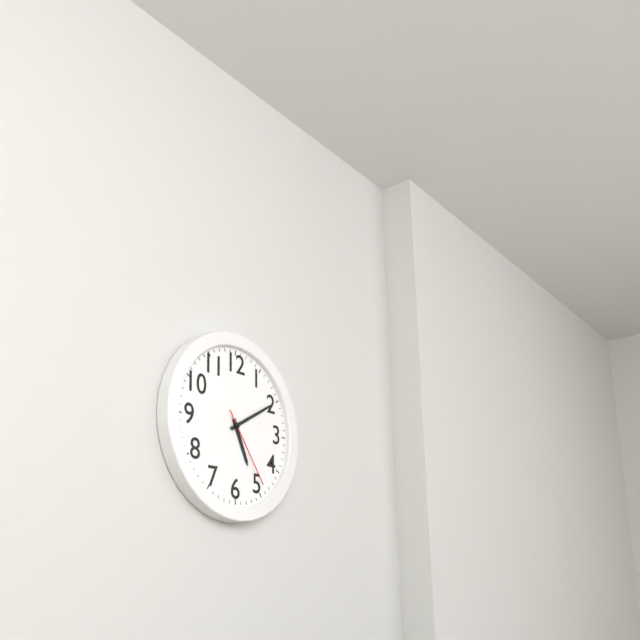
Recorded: h=5 m=10 s=24
